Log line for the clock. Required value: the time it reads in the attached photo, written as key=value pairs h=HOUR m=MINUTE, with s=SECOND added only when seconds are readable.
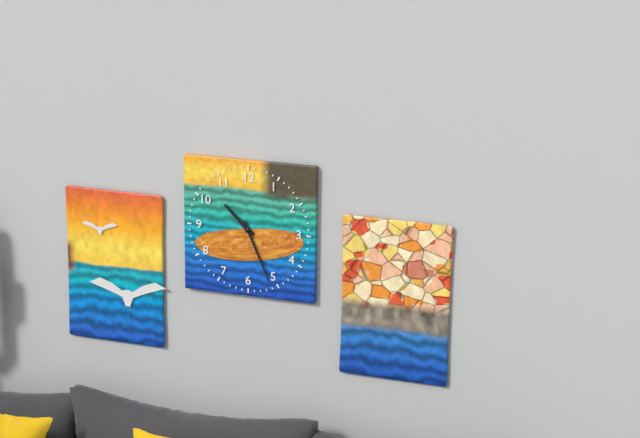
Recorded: h=10 m=26
